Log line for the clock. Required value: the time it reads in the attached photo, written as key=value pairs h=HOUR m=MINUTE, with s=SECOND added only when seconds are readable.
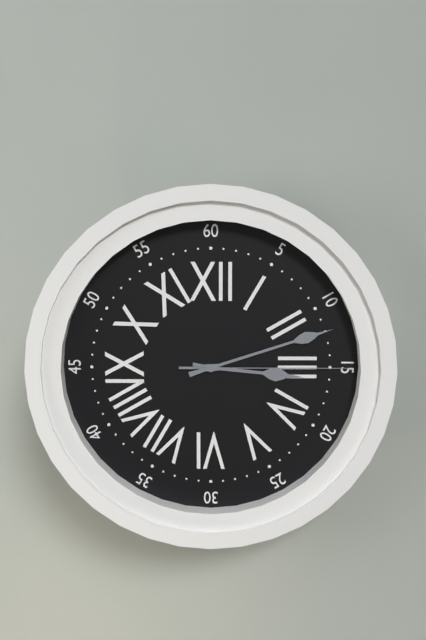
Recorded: h=3 m=12 s=15
